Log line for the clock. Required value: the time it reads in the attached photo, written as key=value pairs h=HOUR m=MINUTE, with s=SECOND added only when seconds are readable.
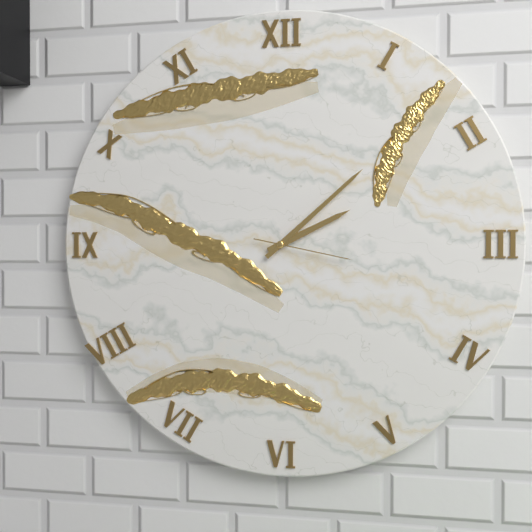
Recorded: h=2 m=8 s=17
